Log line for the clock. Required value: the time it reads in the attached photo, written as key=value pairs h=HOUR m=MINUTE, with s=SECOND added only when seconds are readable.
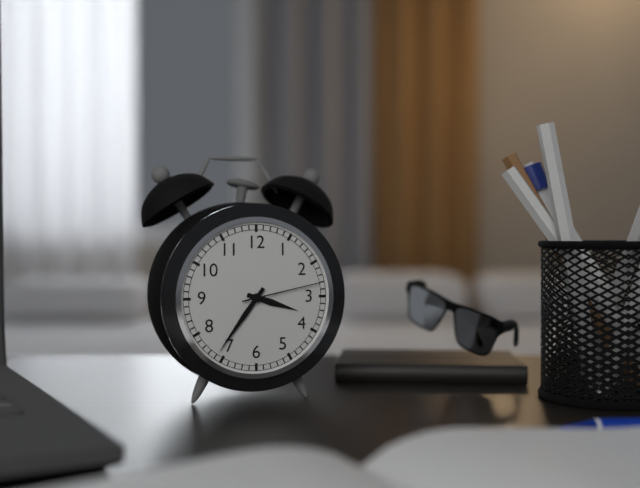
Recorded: h=3 m=36 s=13
